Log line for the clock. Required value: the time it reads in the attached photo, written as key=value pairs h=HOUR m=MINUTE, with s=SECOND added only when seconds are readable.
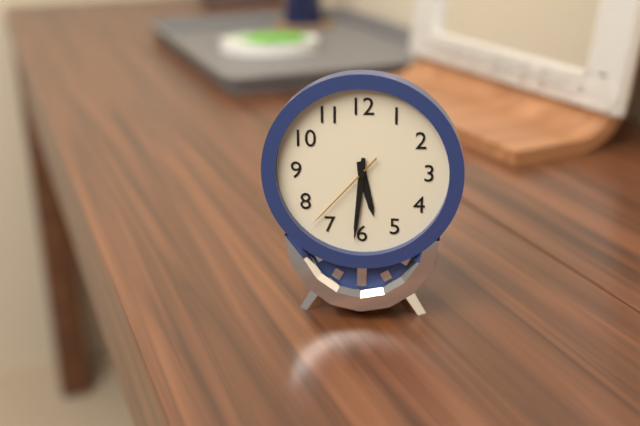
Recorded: h=5 m=31 s=37
